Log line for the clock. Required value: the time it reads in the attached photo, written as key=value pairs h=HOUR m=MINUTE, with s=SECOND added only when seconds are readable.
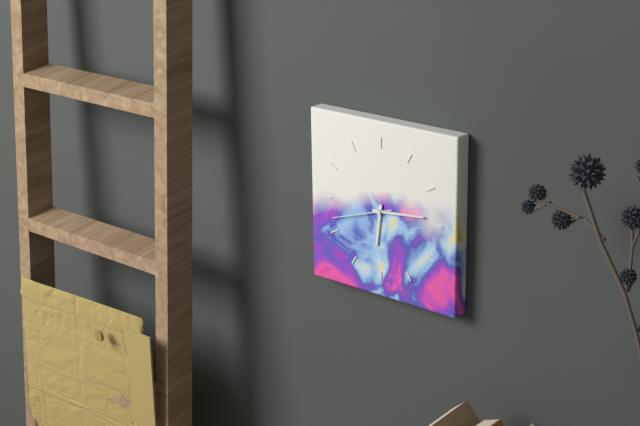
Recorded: h=6 m=14 s=42
